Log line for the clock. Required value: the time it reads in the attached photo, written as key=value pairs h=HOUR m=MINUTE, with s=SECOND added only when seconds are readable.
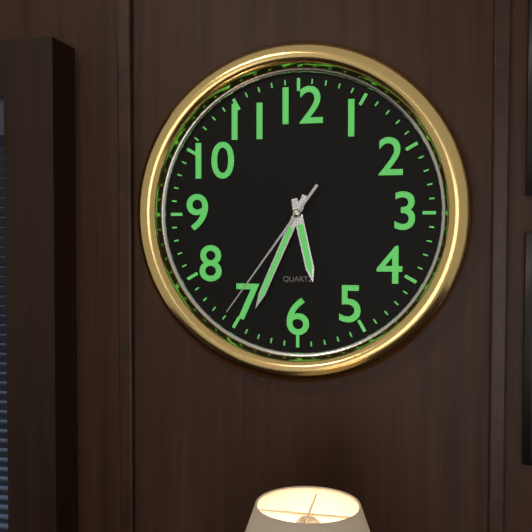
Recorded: h=5 m=34 s=36
